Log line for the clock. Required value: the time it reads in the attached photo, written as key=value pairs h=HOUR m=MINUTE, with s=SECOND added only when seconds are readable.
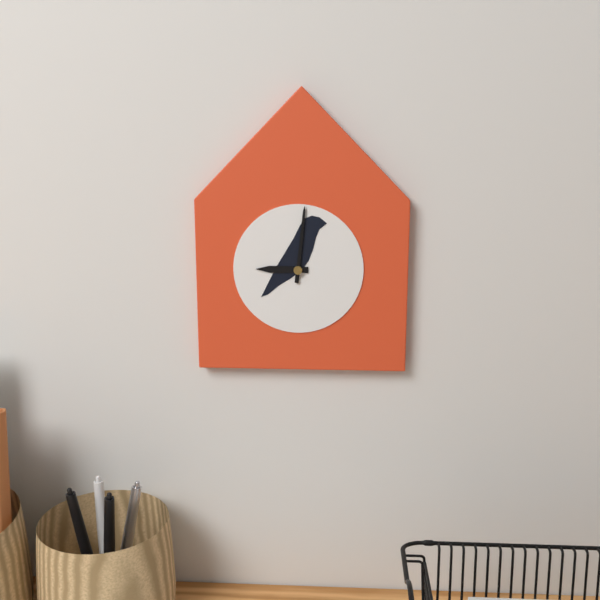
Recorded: h=9 m=1
